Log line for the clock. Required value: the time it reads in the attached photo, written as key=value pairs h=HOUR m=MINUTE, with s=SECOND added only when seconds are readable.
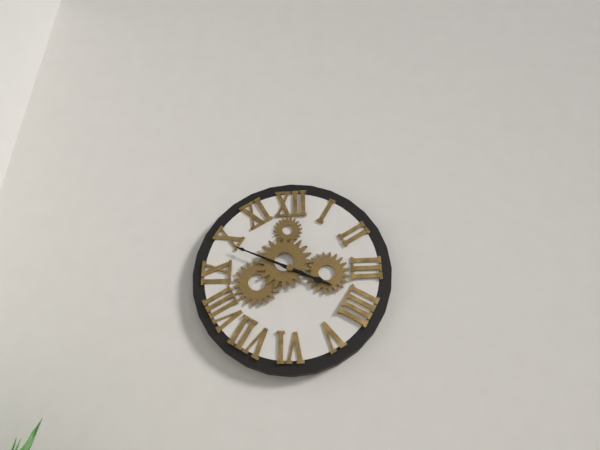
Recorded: h=3 m=49
